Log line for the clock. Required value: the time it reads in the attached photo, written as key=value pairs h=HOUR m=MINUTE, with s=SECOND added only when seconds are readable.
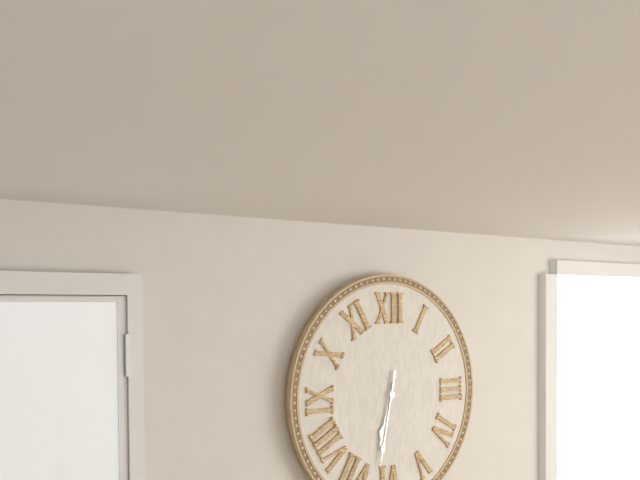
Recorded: h=6 m=32
